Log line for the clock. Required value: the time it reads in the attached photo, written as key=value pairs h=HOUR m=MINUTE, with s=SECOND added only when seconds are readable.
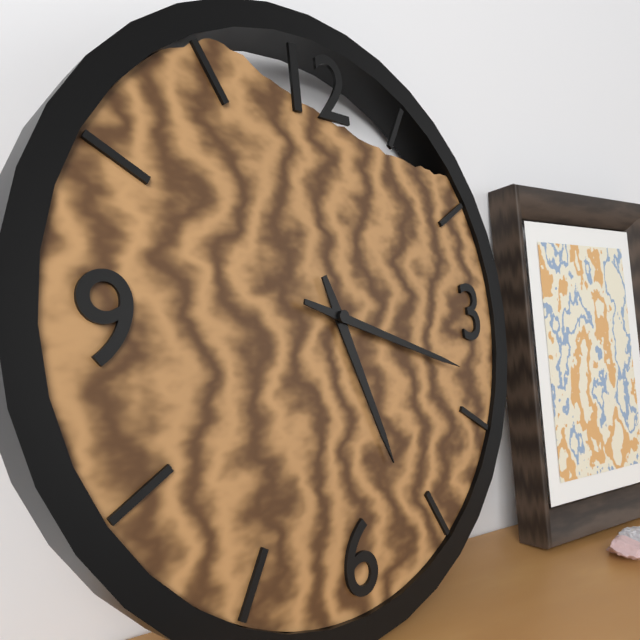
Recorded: h=5 m=18
